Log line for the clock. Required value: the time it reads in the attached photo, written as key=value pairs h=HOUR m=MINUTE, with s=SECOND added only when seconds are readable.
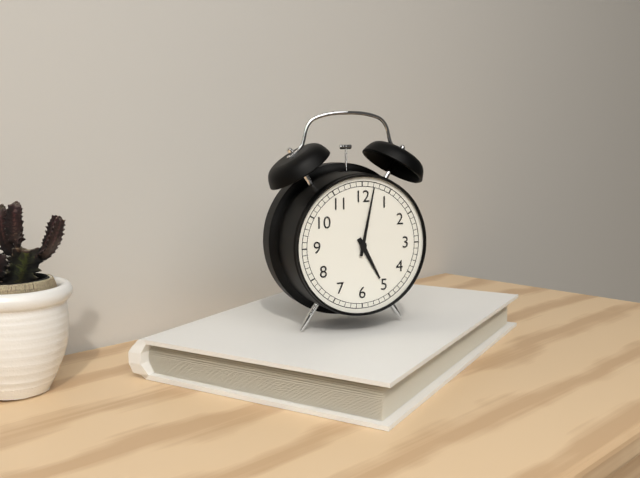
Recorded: h=5 m=2
